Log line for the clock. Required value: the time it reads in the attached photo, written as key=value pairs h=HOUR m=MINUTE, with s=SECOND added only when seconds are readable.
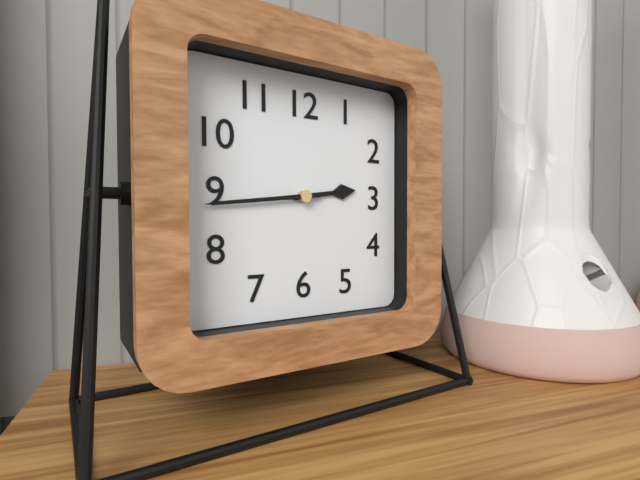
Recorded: h=2 m=44
